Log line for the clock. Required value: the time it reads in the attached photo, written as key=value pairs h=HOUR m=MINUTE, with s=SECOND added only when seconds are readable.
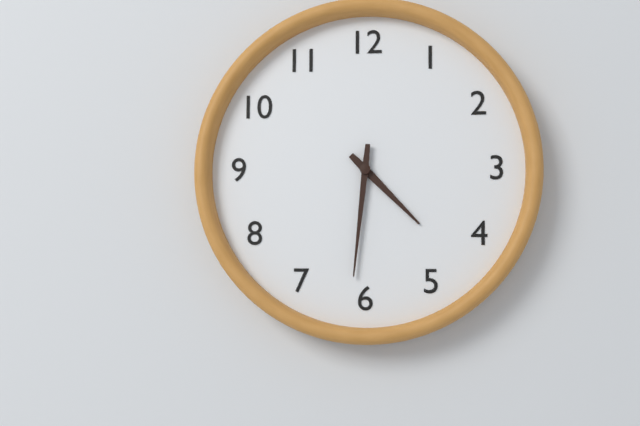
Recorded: h=4 m=31
